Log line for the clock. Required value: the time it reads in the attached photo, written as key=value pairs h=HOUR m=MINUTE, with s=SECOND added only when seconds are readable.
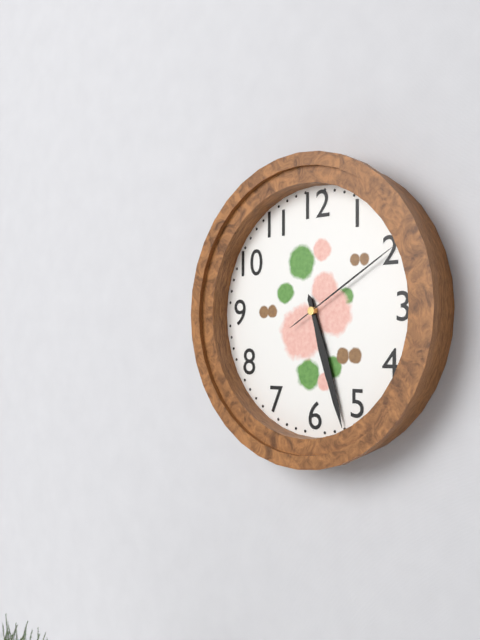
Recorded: h=5 m=27 s=10
